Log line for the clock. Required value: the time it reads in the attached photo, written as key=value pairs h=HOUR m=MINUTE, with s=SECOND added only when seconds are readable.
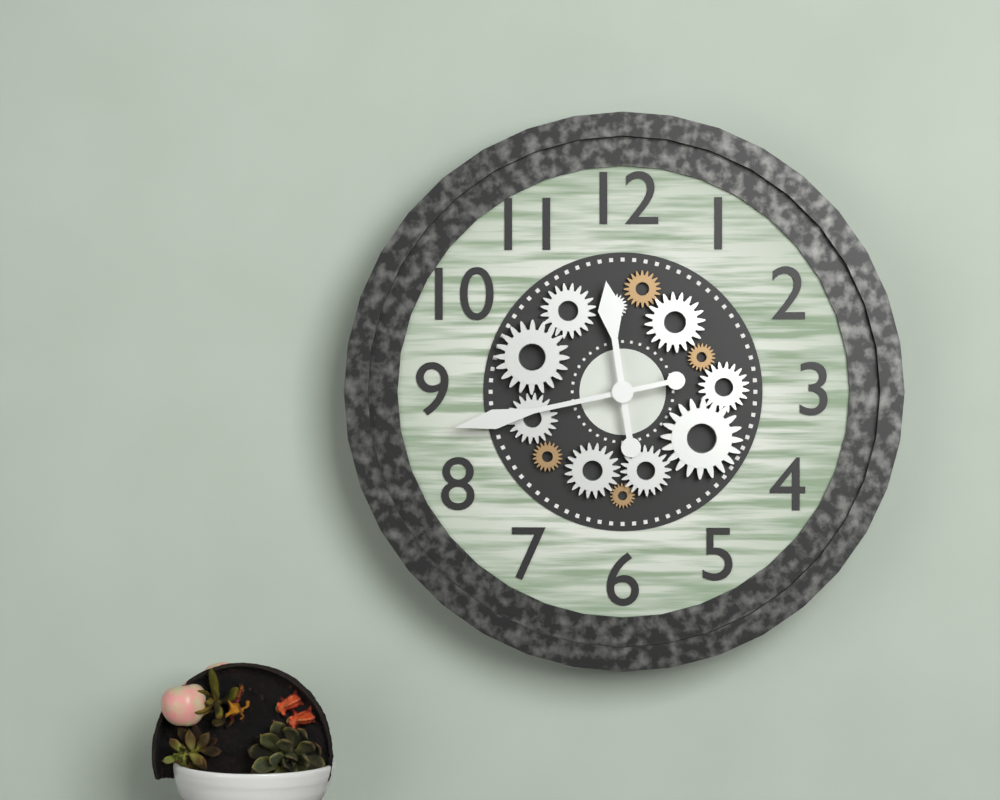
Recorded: h=11 m=43
